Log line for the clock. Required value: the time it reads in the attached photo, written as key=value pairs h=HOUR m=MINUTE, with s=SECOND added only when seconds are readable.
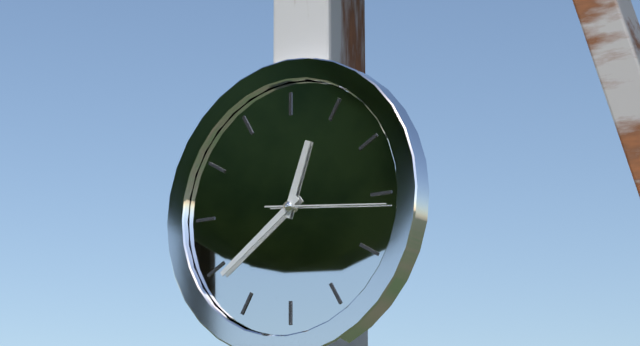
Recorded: h=12 m=39 s=16
